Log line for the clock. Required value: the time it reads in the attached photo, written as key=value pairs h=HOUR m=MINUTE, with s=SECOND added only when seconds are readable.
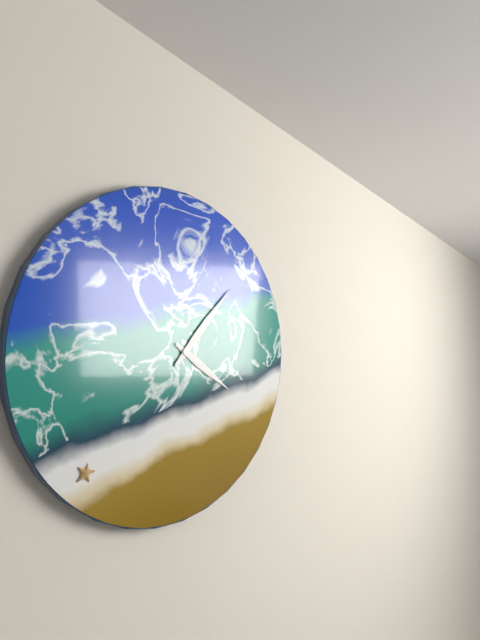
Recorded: h=4 m=7
